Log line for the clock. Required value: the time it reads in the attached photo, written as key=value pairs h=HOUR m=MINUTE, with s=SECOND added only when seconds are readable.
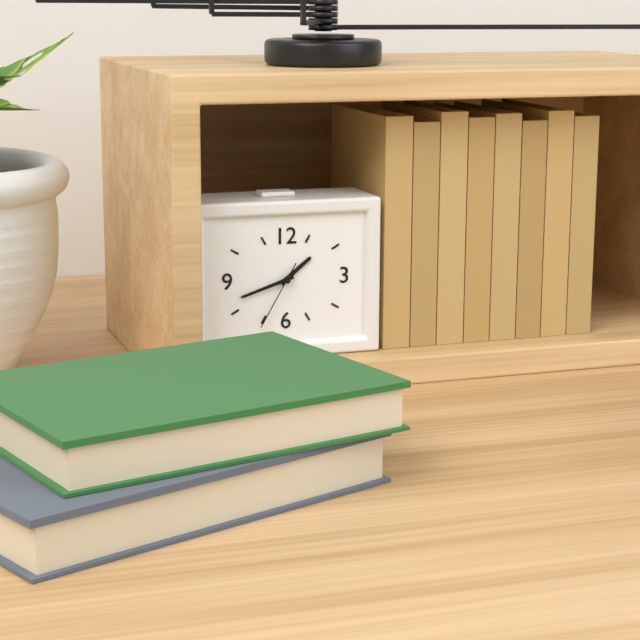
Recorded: h=1 m=42 s=35
